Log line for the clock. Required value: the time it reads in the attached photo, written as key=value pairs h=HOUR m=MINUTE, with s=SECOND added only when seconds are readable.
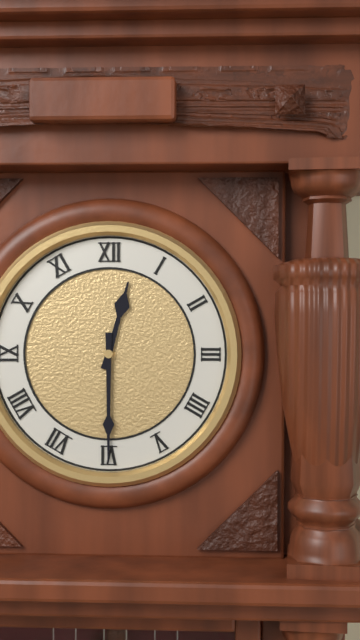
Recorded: h=12 m=30
